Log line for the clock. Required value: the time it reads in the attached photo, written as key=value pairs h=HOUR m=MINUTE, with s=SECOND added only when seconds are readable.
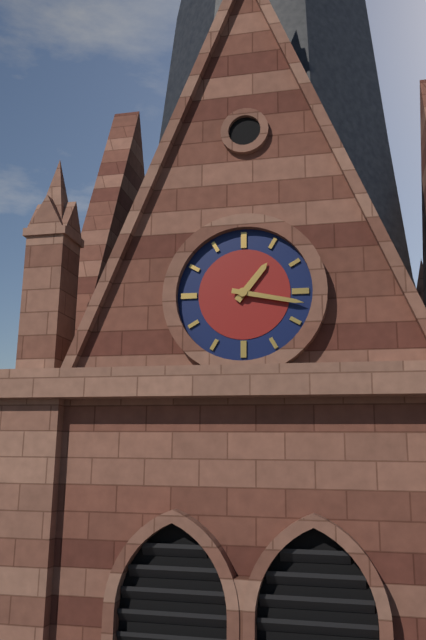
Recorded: h=1 m=17
